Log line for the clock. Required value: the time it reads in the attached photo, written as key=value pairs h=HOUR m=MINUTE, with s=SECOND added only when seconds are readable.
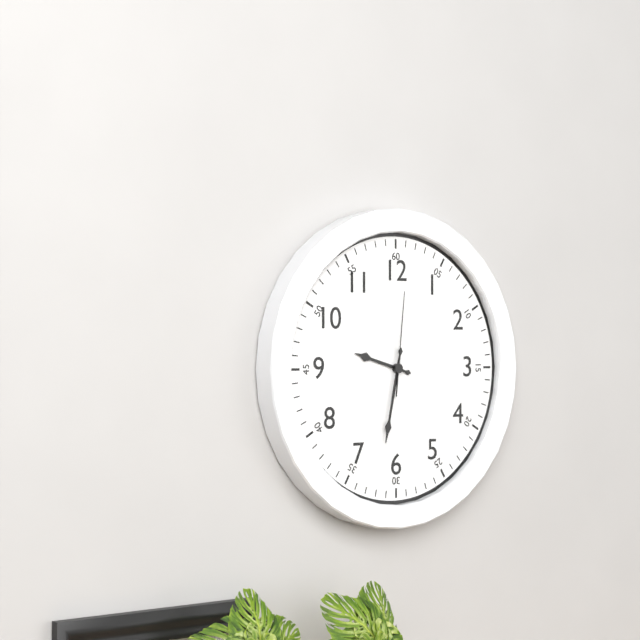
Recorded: h=9 m=32 s=1
